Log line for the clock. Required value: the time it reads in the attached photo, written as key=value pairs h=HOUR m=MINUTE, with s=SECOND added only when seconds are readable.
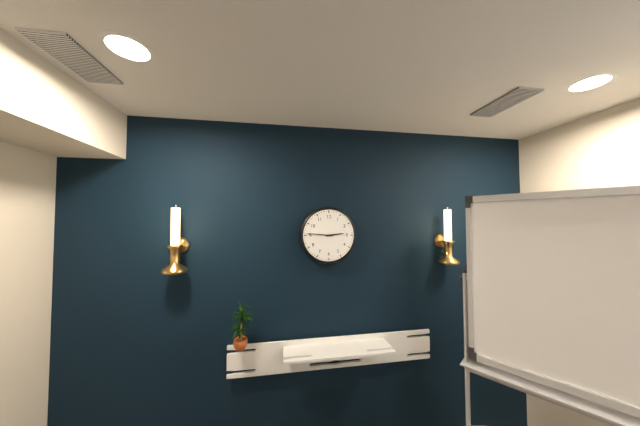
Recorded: h=2 m=46
